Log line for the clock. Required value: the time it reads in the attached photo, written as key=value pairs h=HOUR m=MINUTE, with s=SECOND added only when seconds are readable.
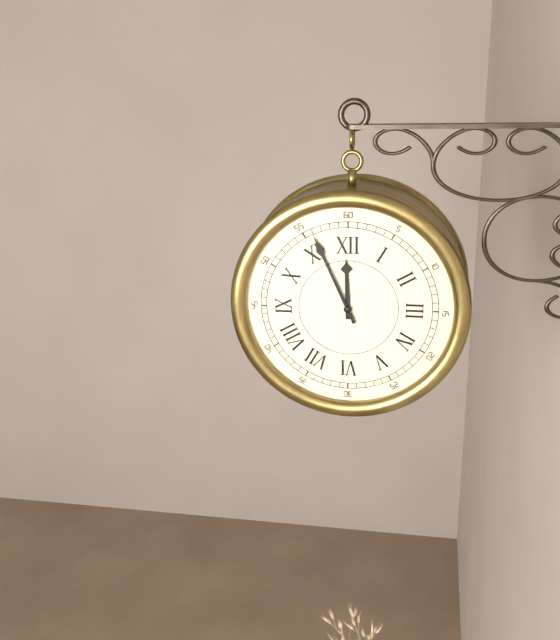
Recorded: h=11 m=56
